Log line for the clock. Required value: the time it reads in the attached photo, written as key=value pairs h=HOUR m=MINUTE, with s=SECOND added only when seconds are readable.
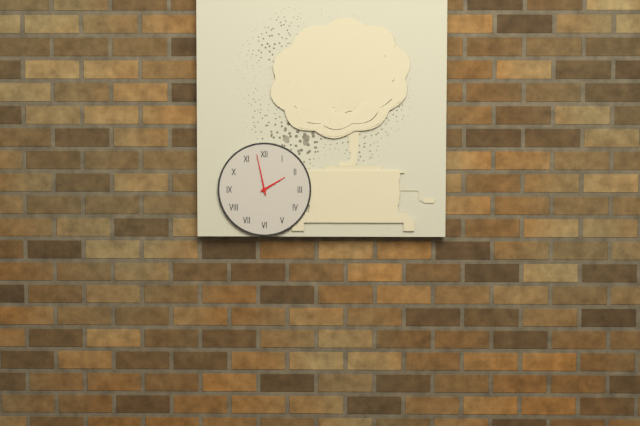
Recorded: h=1 m=58
